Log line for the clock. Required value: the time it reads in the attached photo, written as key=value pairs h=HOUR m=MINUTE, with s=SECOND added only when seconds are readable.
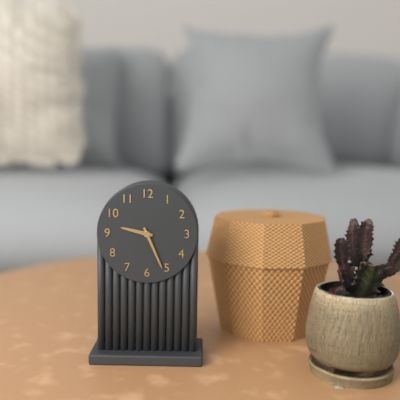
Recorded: h=9 m=26
